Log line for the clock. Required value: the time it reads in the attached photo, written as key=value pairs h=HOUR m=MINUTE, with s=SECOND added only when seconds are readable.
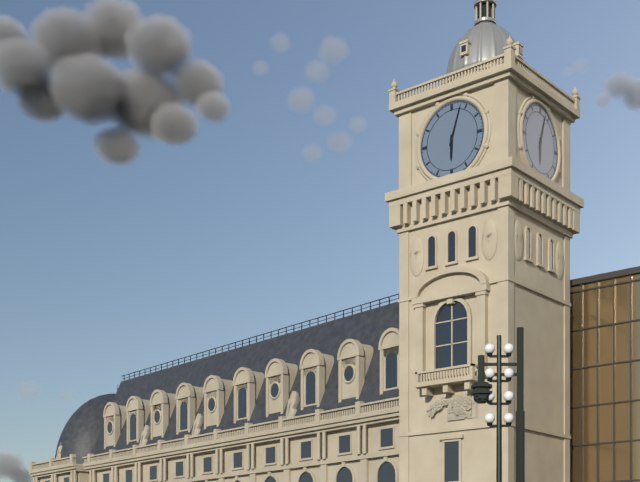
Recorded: h=6 m=3
